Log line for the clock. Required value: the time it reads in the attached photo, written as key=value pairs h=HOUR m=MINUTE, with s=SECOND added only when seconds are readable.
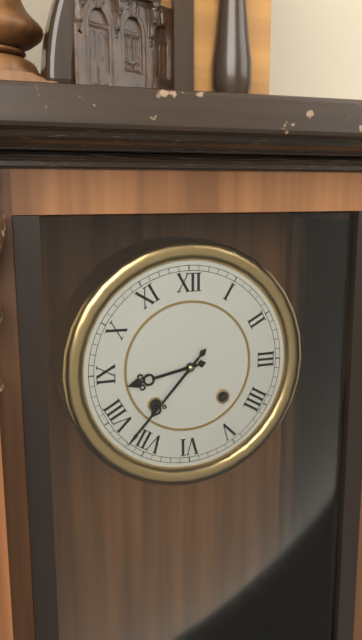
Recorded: h=8 m=37
